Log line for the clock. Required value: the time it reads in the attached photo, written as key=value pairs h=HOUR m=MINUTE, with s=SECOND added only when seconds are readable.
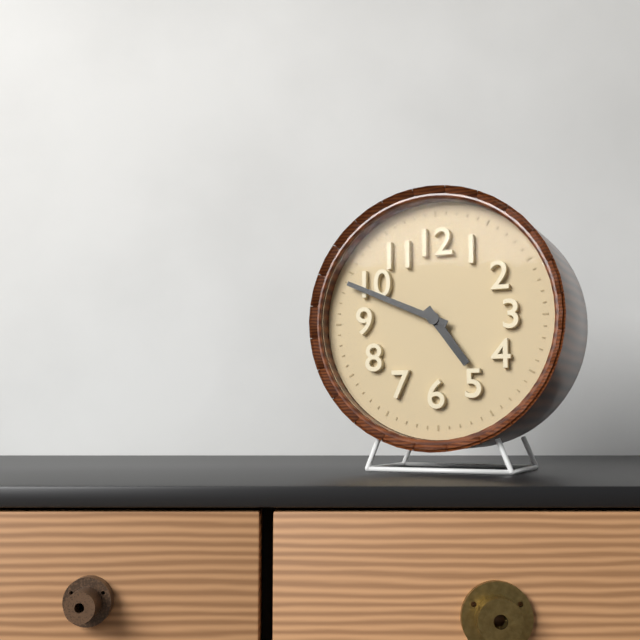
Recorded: h=4 m=49
